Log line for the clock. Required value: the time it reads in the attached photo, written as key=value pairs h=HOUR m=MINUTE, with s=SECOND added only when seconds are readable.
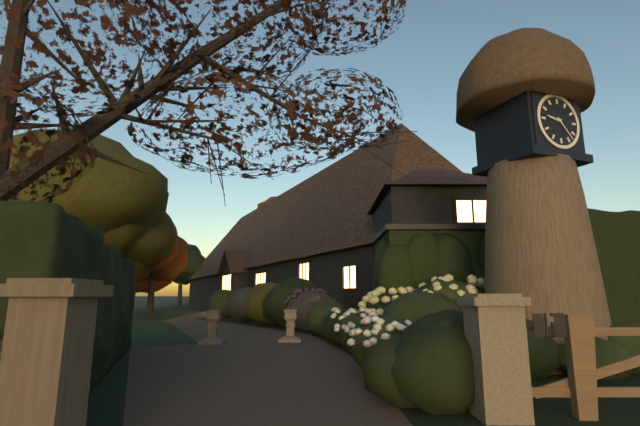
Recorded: h=9 m=23
